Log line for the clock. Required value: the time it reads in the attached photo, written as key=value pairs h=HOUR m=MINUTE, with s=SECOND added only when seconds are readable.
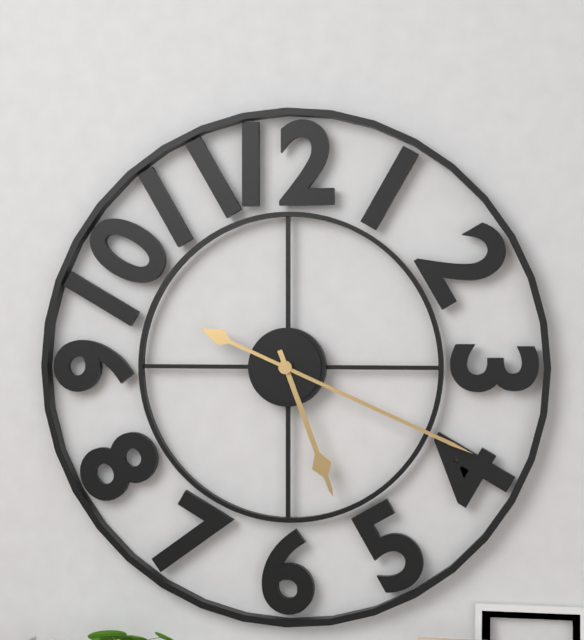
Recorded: h=5 m=19
